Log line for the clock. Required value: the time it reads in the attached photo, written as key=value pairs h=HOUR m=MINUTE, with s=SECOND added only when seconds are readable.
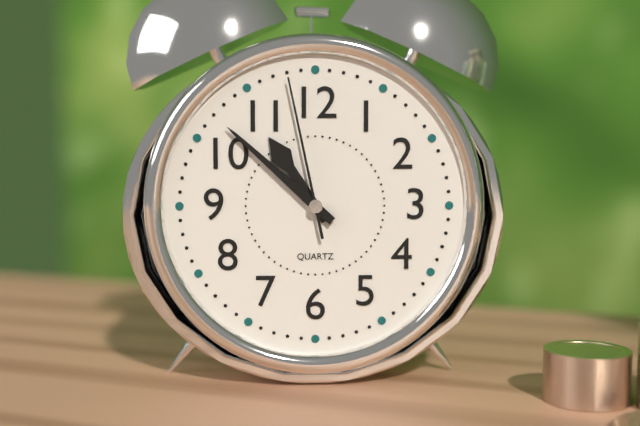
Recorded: h=10 m=52 s=58
